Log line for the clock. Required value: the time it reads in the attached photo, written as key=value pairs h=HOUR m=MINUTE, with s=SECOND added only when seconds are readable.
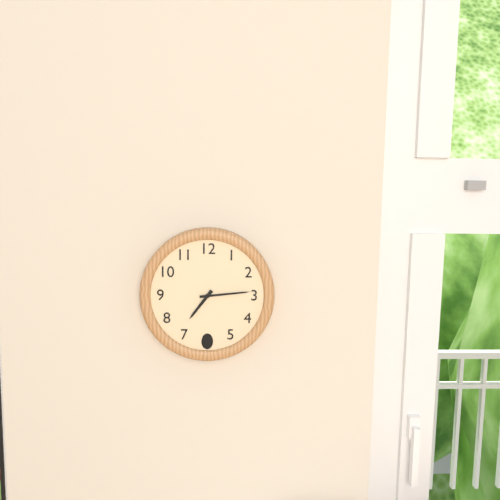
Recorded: h=7 m=14
